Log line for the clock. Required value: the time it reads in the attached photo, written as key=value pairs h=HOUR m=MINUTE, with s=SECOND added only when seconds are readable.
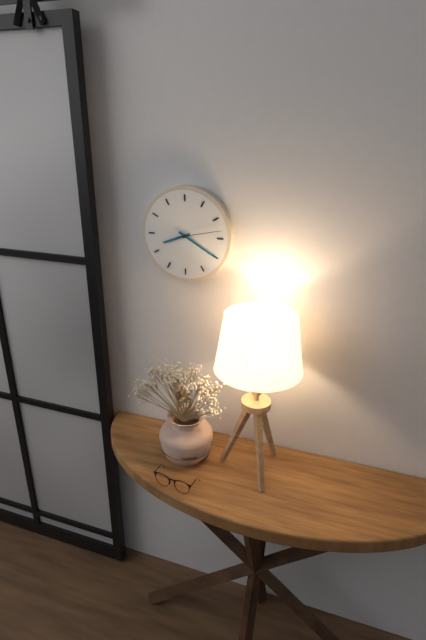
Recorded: h=8 m=20
